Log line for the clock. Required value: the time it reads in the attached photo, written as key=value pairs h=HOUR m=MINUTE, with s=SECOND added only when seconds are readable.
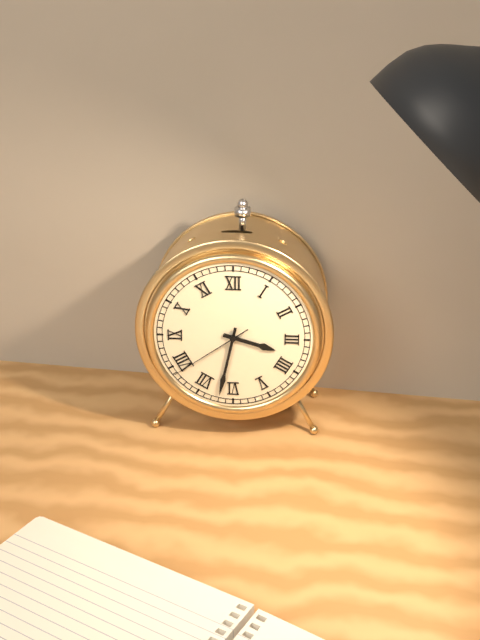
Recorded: h=3 m=32 s=39
